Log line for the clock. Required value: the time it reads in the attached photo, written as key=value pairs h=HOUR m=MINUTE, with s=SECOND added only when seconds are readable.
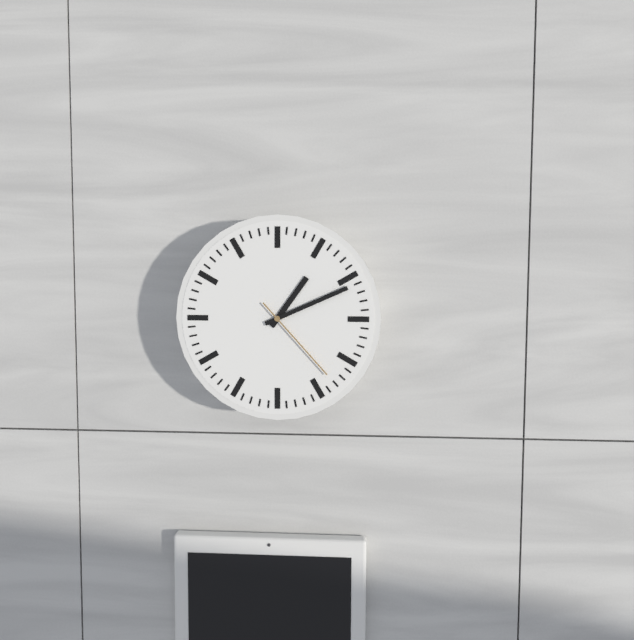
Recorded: h=1 m=11 s=23
